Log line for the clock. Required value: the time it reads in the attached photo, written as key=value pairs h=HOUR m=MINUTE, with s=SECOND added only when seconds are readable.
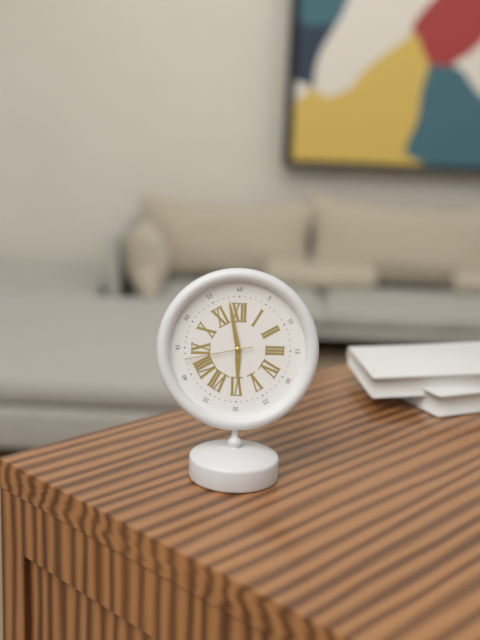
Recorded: h=5 m=58 s=43
